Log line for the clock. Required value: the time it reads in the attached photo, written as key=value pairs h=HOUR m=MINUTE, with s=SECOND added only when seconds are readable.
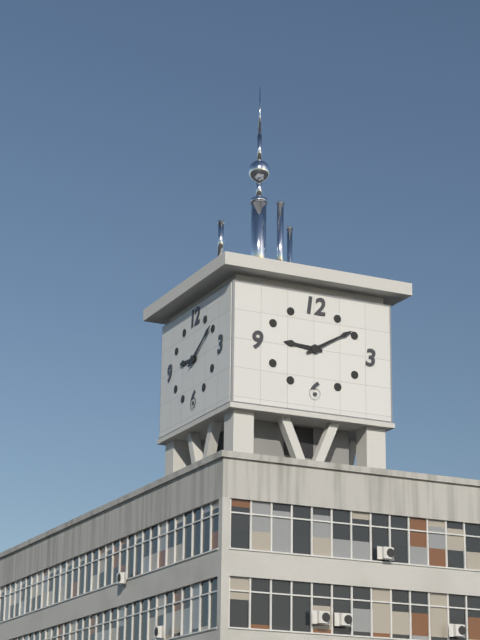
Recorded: h=9 m=10
